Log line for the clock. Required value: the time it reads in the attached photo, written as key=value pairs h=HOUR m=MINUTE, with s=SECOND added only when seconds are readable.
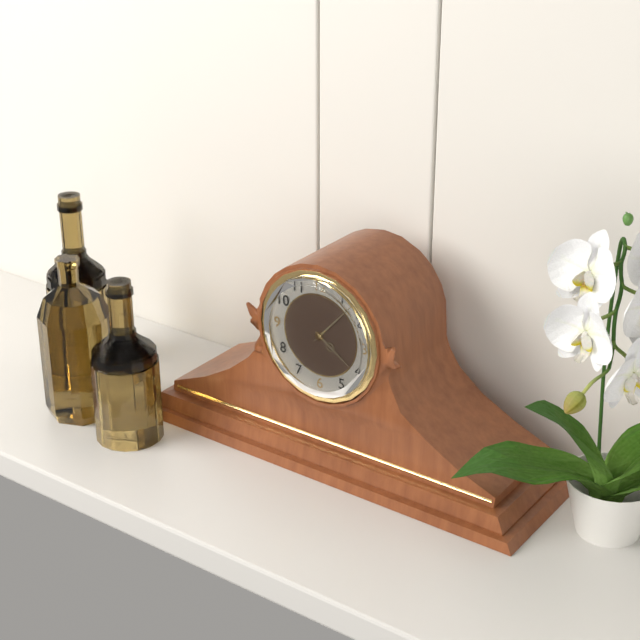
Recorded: h=4 m=7
